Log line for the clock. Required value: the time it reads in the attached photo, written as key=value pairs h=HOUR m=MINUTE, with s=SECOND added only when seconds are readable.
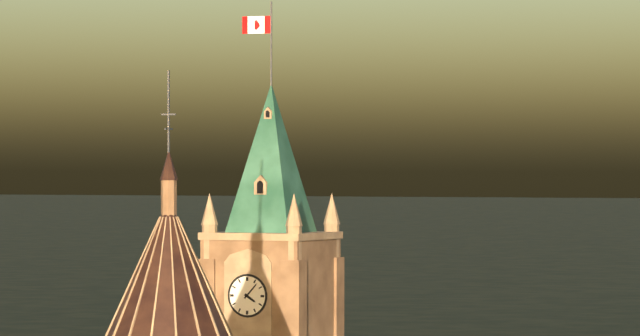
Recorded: h=4 m=7
